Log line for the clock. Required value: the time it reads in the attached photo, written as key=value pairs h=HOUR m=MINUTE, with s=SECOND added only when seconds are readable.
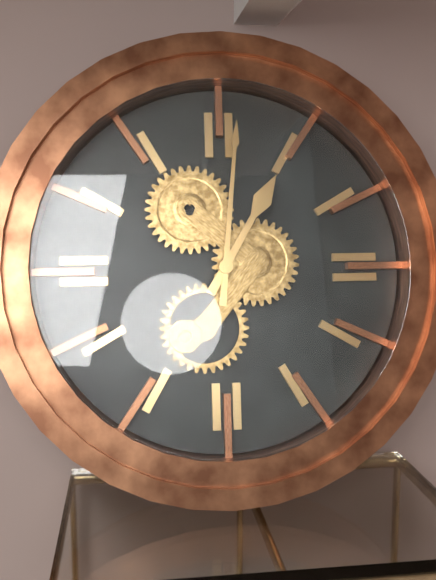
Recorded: h=1 m=1
